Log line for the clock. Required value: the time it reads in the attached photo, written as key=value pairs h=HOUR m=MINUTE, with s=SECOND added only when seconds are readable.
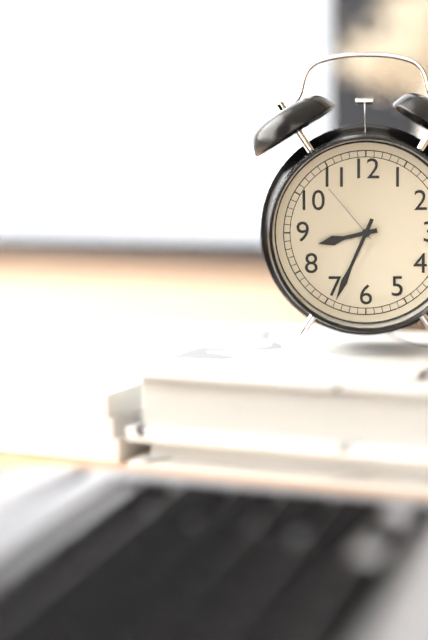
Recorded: h=8 m=34
